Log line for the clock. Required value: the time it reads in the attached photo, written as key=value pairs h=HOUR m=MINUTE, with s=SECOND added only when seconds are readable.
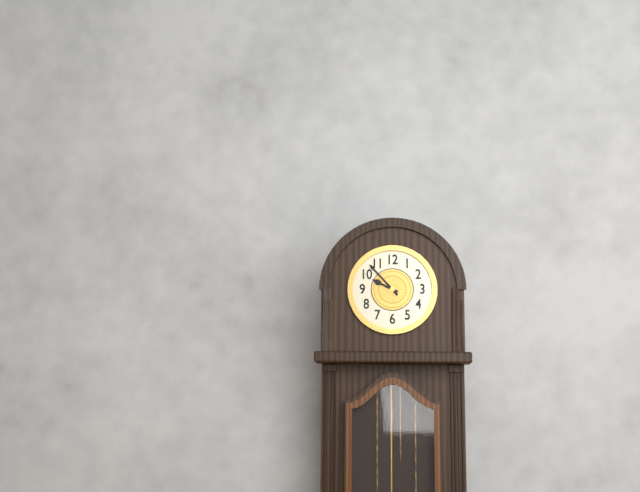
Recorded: h=9 m=53
